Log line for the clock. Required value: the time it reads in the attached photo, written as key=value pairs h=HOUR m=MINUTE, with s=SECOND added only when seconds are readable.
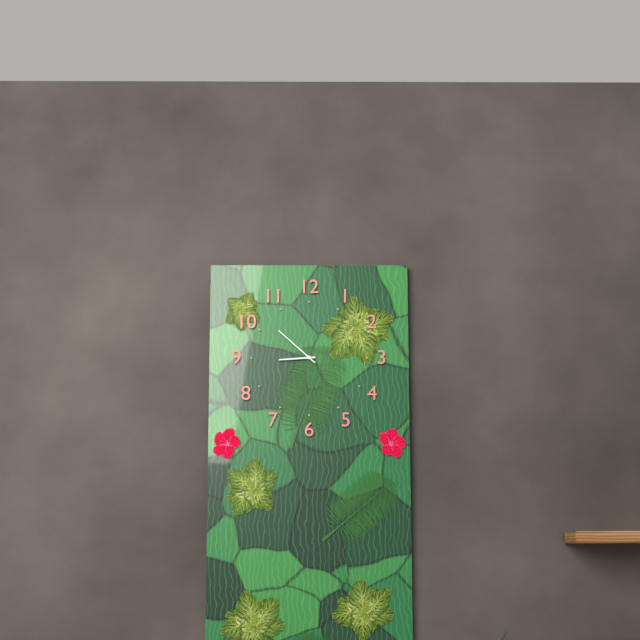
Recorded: h=8 m=52
